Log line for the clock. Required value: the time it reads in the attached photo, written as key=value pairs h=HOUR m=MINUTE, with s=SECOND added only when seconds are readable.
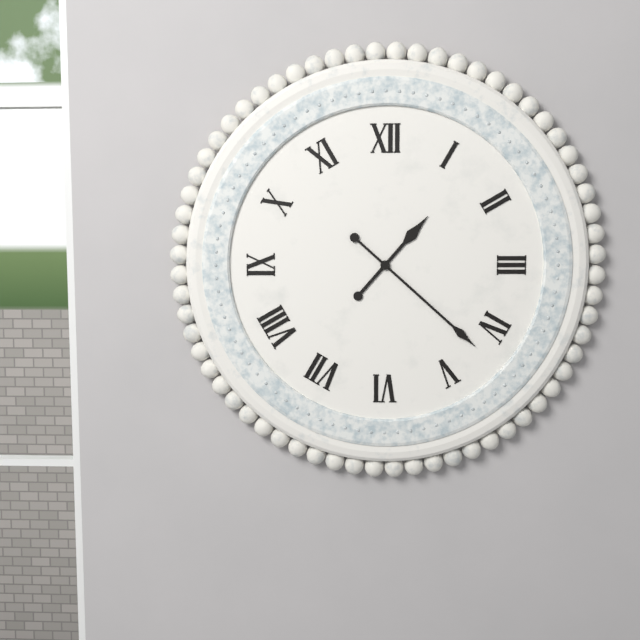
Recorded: h=1 m=22
